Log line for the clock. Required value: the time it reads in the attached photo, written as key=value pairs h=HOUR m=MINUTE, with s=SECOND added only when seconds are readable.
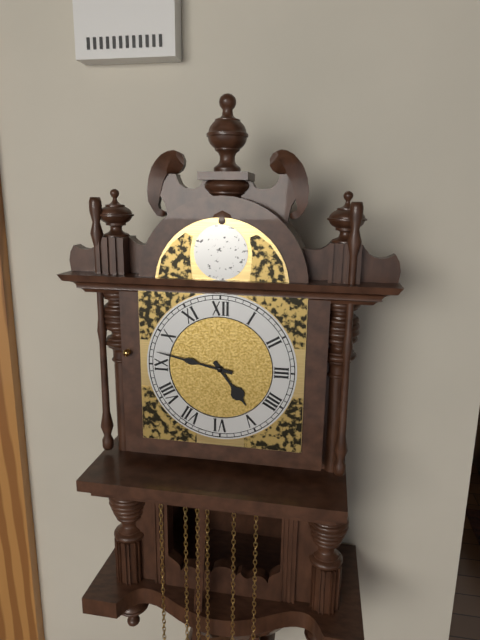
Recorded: h=4 m=47
